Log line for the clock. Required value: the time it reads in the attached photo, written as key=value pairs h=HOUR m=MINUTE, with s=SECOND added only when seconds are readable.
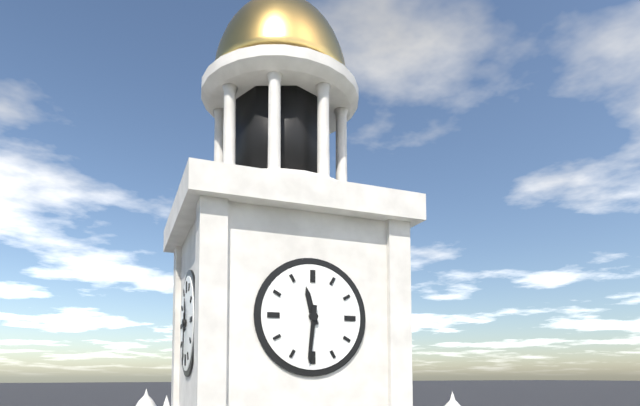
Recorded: h=11 m=31
